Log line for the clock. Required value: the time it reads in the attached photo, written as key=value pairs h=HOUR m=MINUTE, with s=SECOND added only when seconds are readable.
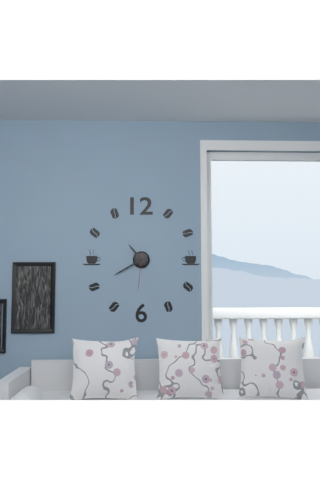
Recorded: h=10 m=40
